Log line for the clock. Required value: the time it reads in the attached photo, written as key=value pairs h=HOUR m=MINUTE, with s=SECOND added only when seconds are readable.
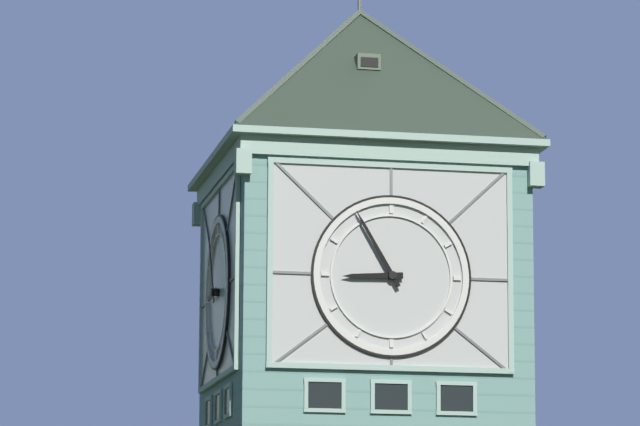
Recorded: h=8 m=55
